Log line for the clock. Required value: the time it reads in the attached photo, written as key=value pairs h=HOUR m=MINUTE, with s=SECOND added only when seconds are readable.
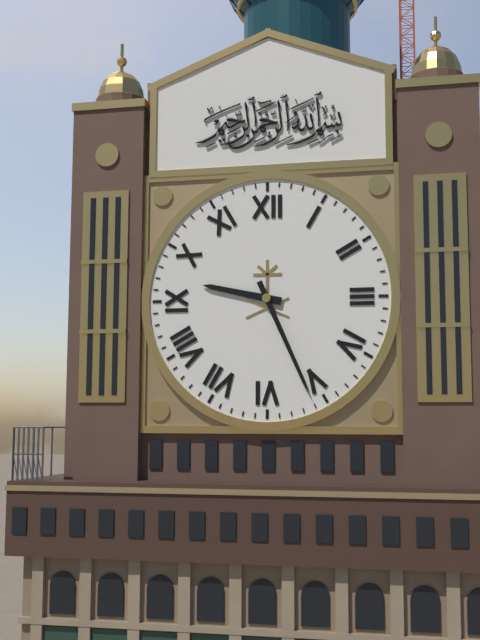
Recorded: h=9 m=26
